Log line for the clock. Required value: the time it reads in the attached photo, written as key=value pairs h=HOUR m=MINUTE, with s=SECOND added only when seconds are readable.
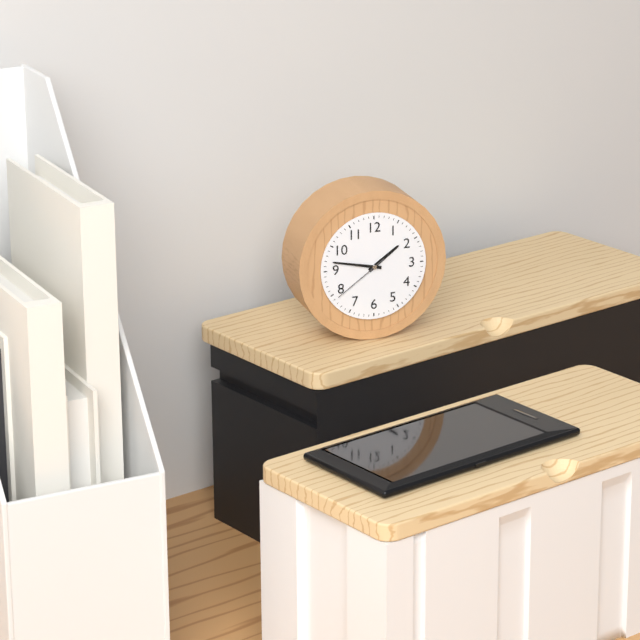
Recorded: h=1 m=47 s=39
